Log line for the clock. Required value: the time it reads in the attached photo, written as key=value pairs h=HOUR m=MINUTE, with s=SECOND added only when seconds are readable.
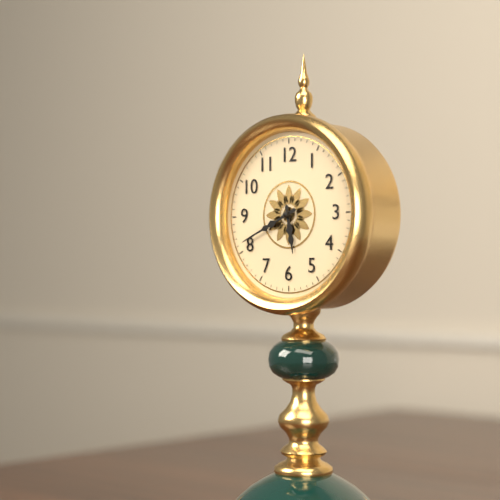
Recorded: h=5 m=41
